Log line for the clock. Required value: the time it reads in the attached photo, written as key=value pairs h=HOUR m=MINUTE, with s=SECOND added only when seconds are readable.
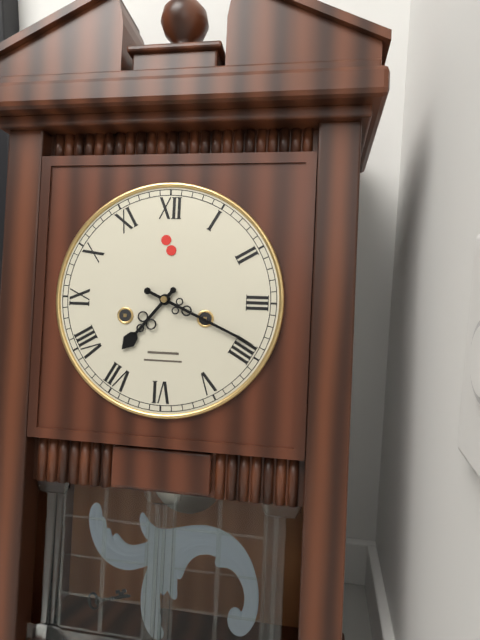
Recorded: h=7 m=19
